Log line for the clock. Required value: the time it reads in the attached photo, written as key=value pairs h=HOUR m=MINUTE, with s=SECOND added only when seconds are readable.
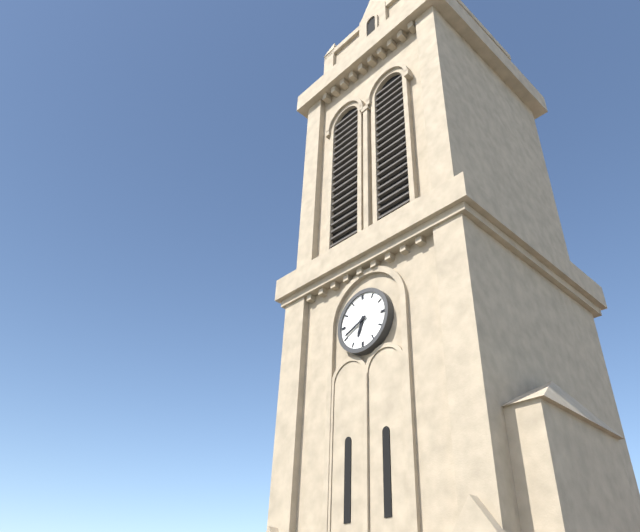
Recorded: h=6 m=41
